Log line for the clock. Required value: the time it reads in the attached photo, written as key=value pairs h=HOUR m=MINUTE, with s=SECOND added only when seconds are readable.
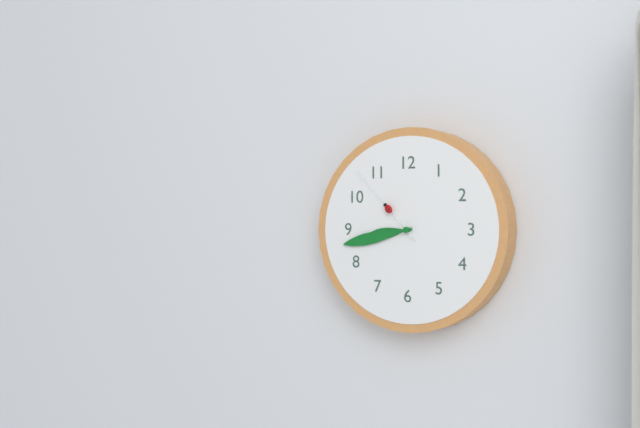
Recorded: h=8 m=43 s=53
